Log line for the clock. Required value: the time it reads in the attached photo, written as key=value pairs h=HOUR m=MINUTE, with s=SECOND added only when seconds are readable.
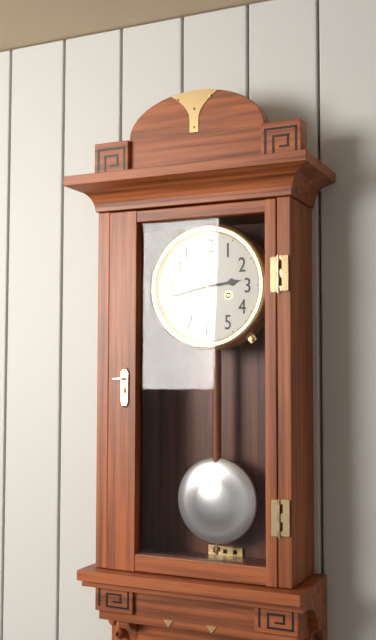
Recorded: h=2 m=43
